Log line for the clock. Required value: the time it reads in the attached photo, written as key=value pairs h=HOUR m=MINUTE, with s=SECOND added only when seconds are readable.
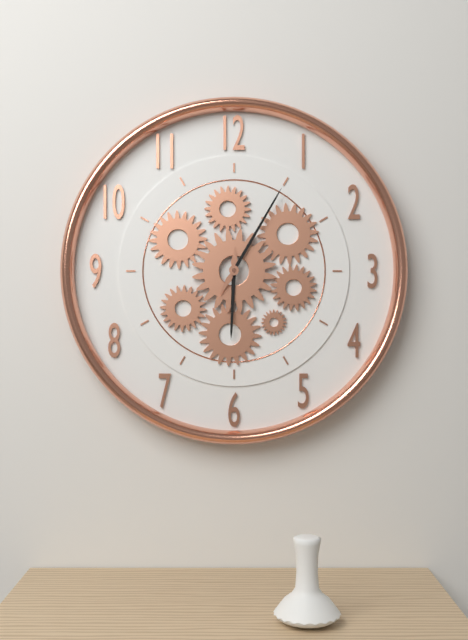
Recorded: h=6 m=5
